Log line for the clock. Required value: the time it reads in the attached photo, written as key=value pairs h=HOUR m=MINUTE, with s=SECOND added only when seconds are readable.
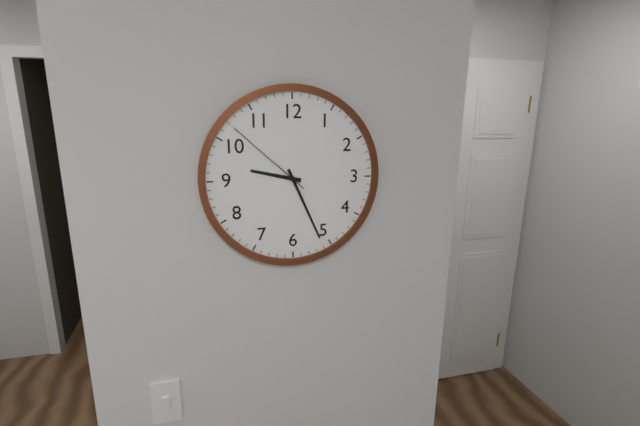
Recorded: h=9 m=26 s=52
